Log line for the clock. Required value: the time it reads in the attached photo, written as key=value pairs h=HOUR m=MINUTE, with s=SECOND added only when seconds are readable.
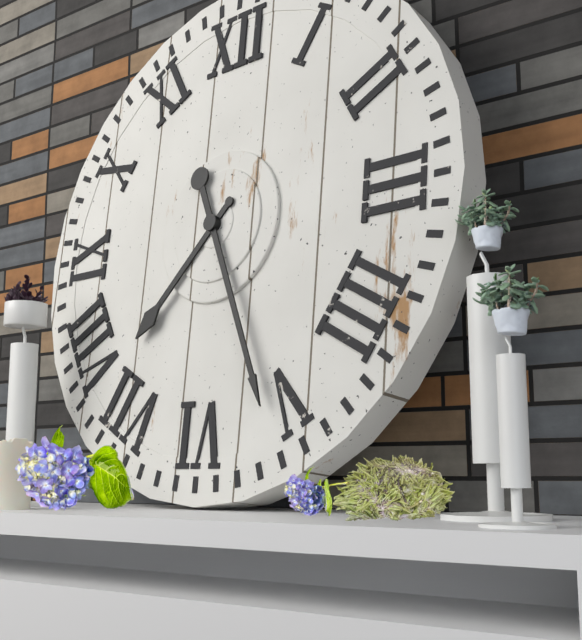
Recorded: h=7 m=26
